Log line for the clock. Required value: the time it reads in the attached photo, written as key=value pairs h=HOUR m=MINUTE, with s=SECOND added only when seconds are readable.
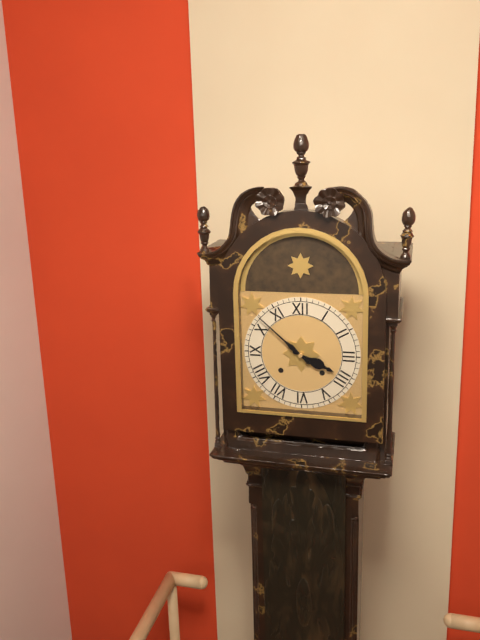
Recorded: h=3 m=52
